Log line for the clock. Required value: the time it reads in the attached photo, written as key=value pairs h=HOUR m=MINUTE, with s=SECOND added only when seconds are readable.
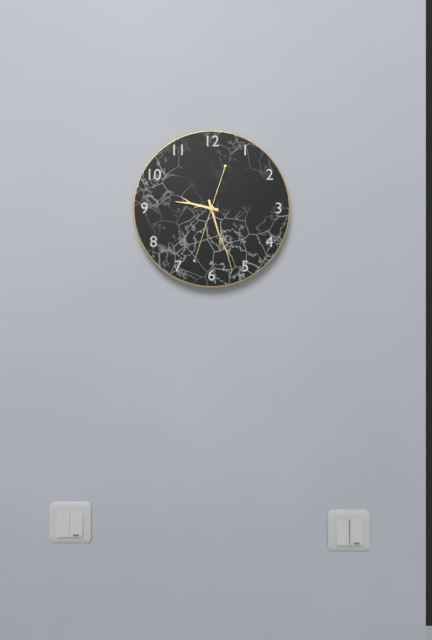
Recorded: h=9 m=27 s=33
